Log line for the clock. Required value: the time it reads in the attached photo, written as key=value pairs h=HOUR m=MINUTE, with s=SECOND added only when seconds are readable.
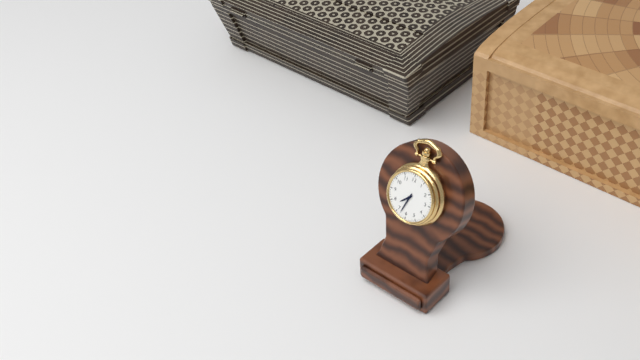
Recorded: h=7 m=33
